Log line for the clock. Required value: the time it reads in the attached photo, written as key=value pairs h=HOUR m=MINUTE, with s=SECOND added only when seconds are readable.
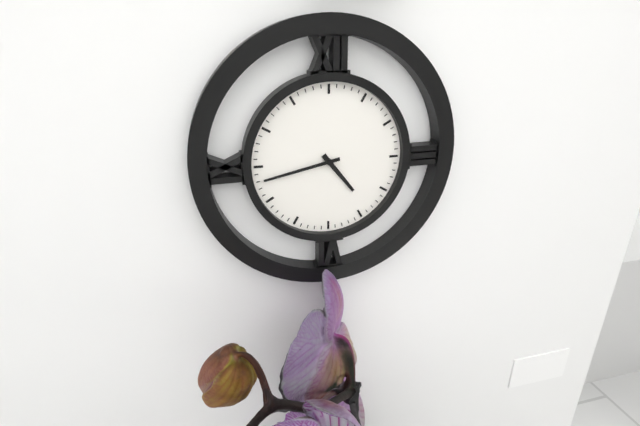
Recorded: h=4 m=43
